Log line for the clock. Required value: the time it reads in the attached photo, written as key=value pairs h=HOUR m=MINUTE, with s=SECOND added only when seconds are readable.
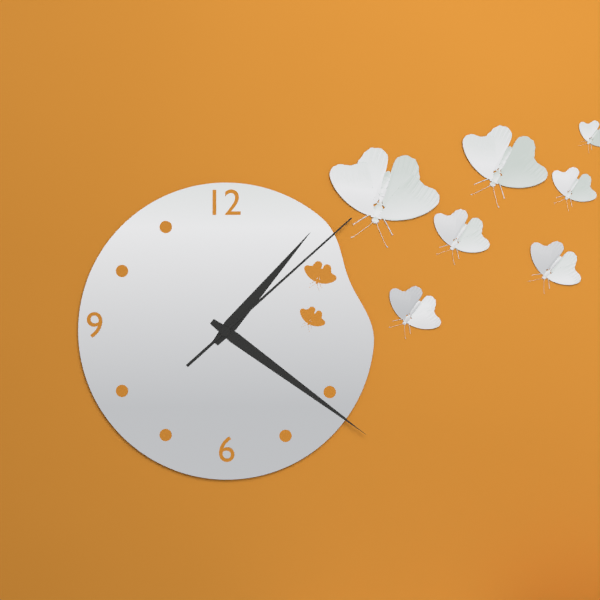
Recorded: h=1 m=21 s=8
